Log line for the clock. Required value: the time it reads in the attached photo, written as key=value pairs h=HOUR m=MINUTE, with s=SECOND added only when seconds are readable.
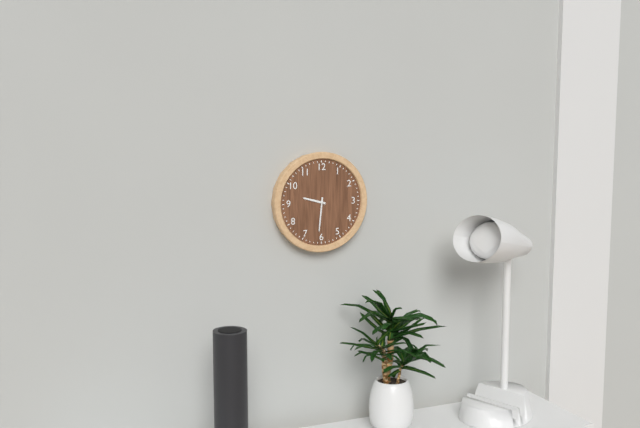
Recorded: h=9 m=31
